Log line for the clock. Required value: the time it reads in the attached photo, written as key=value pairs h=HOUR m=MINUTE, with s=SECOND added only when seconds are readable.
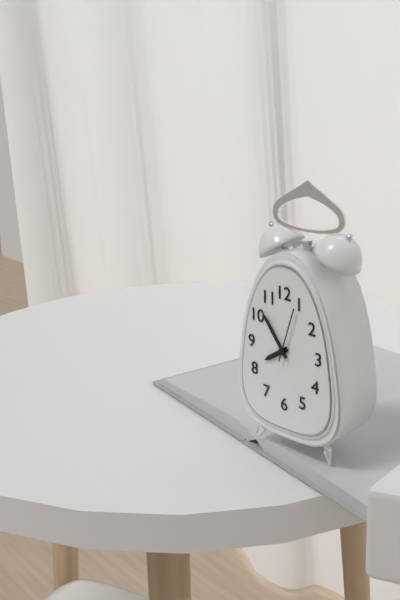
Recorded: h=7 m=54 s=3
